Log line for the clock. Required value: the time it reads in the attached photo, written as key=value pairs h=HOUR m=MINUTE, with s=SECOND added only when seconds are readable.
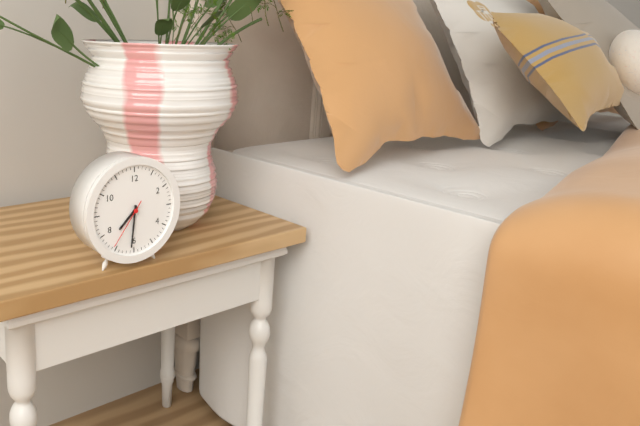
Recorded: h=7 m=31 s=36
